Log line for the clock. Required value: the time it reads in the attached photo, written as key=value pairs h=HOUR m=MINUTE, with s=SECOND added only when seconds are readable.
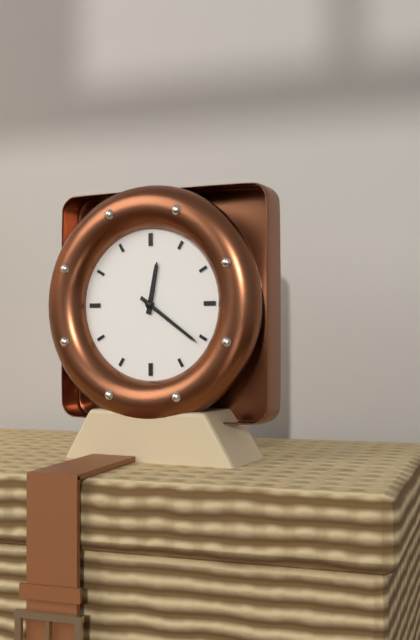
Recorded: h=12 m=21
